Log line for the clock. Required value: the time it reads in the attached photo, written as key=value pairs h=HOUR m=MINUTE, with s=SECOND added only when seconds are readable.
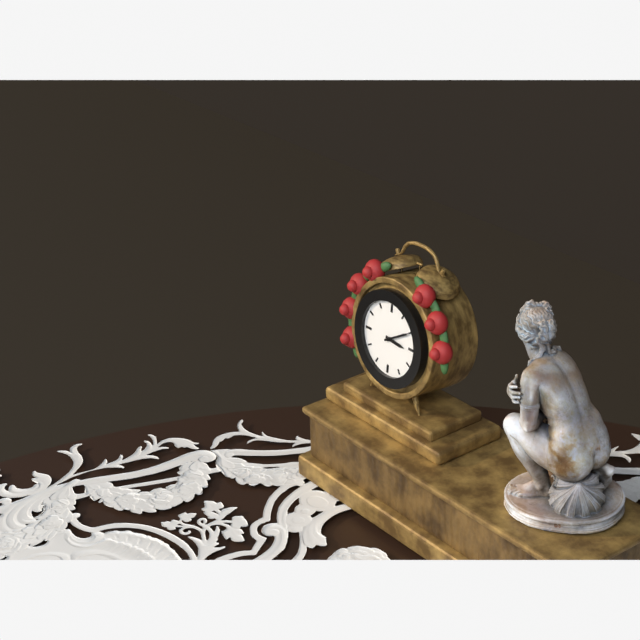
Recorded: h=3 m=10
